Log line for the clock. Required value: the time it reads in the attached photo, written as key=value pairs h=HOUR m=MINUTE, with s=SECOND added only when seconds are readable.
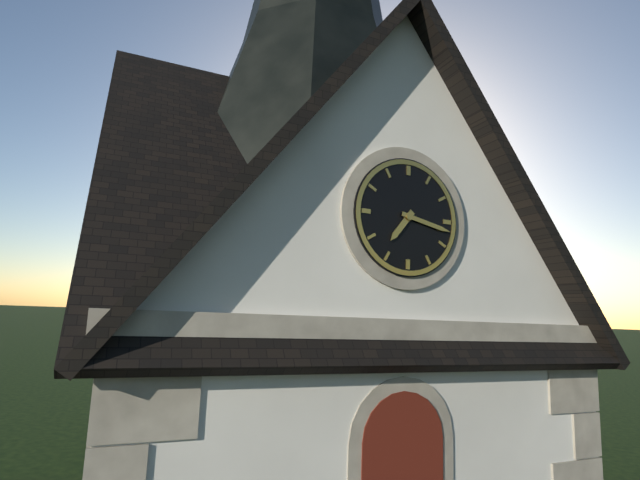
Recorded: h=7 m=17
